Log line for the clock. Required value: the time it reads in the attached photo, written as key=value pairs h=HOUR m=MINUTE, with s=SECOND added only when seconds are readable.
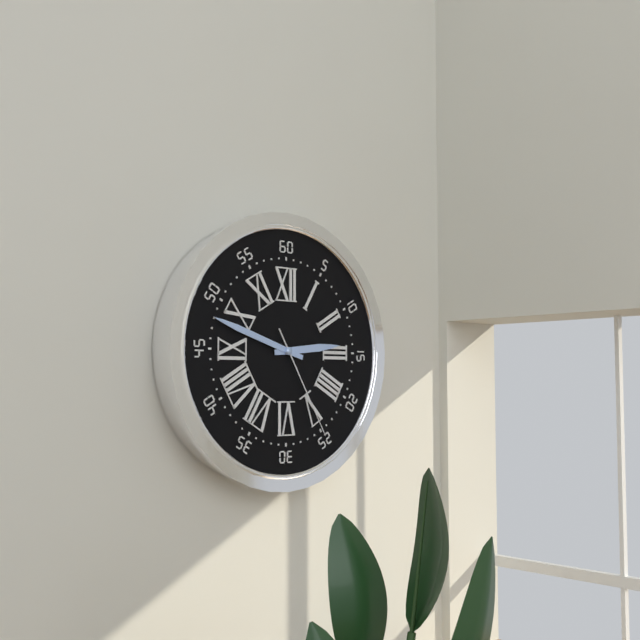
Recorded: h=2 m=48 s=25
